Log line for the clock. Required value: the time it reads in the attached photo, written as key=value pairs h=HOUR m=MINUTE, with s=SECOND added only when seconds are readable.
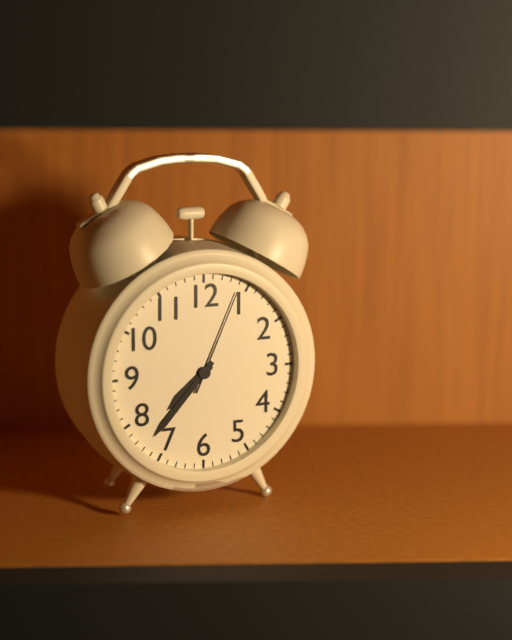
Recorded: h=7 m=37 s=4
